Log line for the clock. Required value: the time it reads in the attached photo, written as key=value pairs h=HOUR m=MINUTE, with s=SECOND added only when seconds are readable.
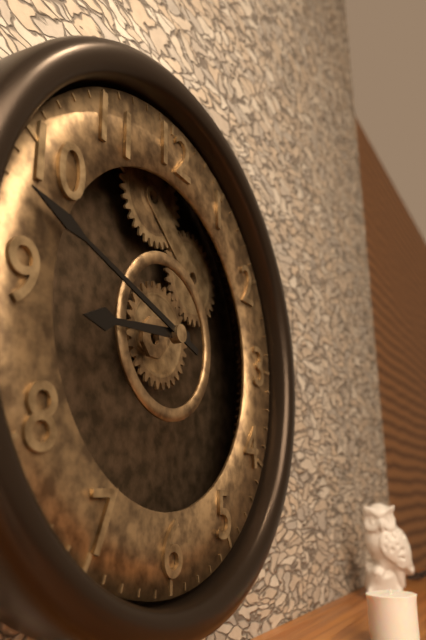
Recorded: h=8 m=48
